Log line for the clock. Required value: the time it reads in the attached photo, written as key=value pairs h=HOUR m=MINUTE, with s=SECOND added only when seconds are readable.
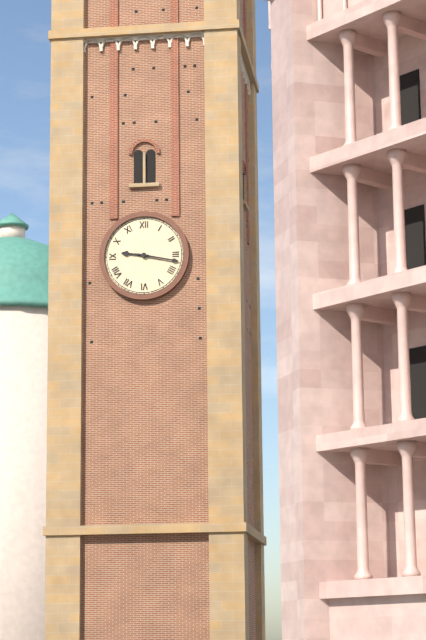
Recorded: h=9 m=17
